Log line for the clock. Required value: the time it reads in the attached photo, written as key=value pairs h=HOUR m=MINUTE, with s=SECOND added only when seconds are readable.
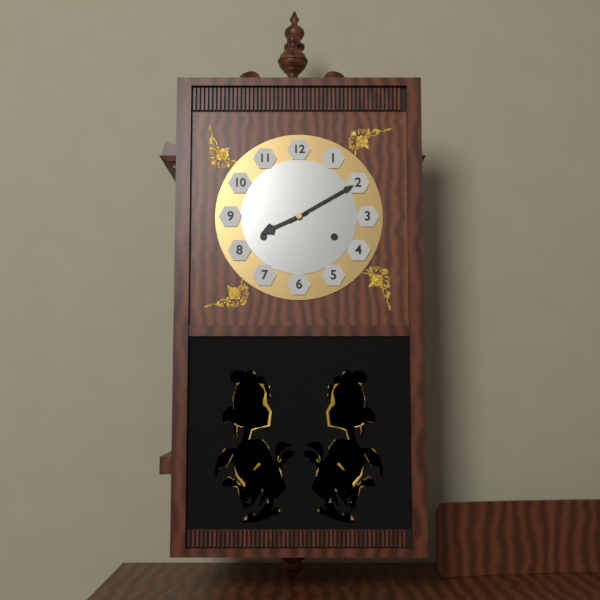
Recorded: h=8 m=10
